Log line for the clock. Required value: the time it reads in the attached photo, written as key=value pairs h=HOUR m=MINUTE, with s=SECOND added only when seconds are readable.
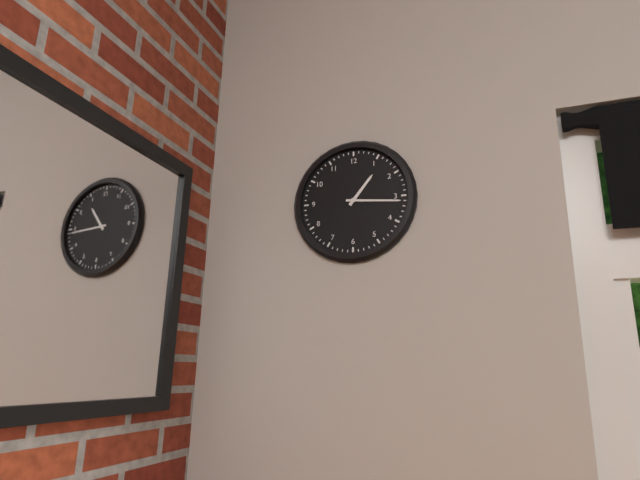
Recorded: h=1 m=16
